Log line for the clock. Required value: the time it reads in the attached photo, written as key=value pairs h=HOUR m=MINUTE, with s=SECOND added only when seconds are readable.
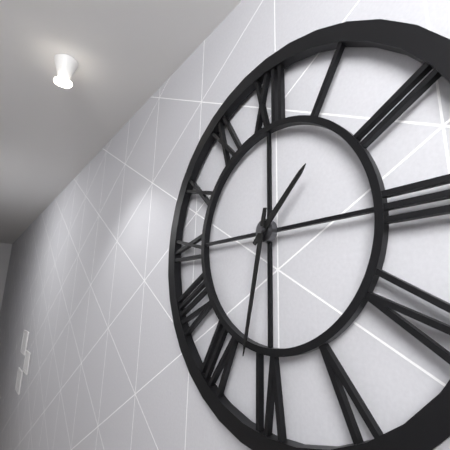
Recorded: h=1 m=32
